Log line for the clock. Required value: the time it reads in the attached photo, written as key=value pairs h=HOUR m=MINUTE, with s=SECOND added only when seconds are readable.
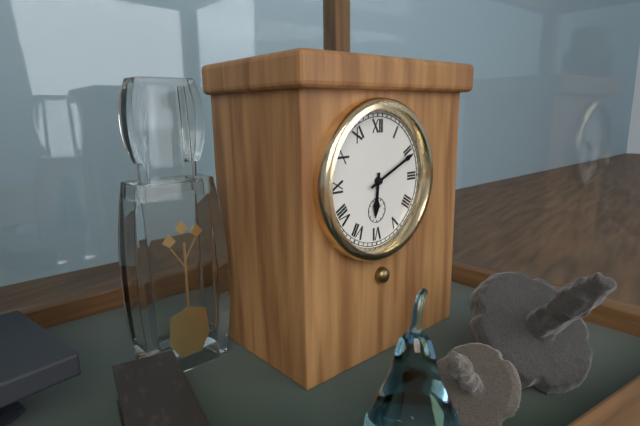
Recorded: h=6 m=11
